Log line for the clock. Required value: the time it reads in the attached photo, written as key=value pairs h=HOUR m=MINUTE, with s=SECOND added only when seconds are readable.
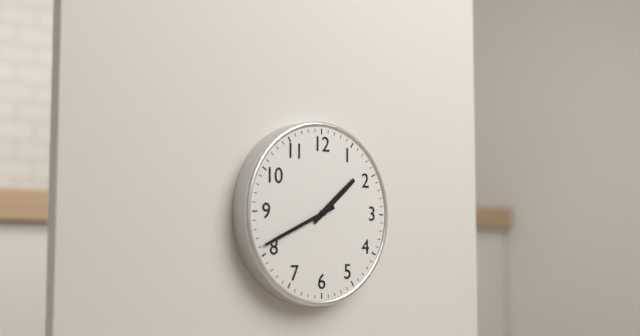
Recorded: h=1 m=41
